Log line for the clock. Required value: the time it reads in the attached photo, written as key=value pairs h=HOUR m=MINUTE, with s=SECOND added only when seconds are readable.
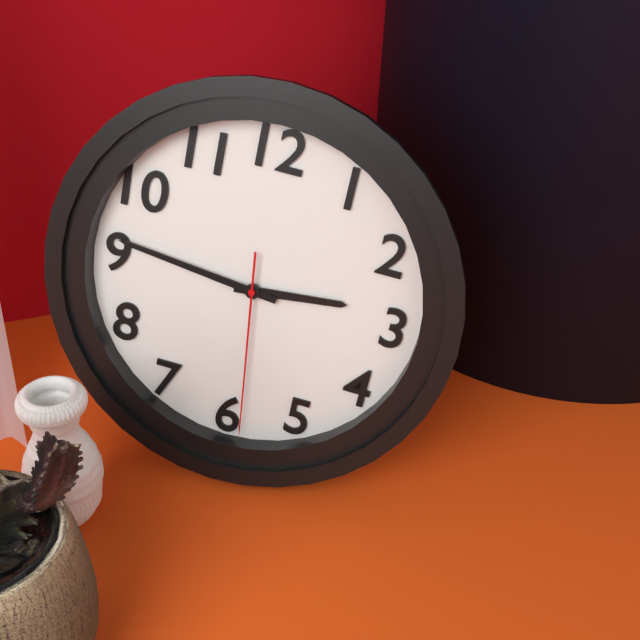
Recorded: h=2 m=46 s=29
